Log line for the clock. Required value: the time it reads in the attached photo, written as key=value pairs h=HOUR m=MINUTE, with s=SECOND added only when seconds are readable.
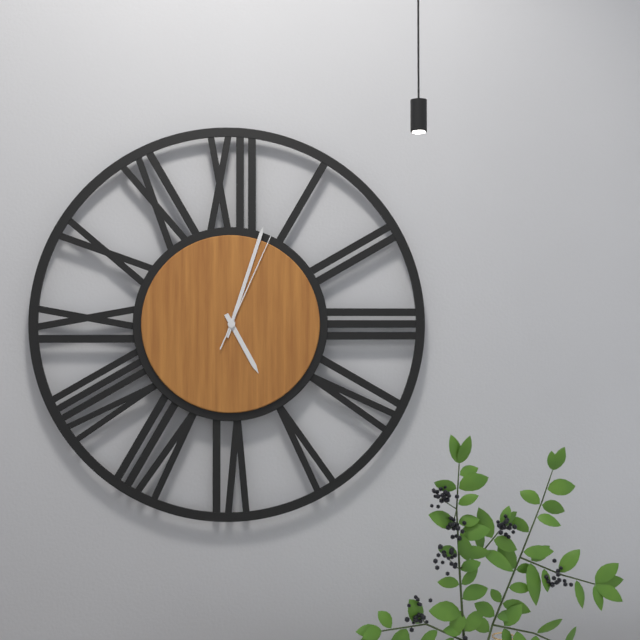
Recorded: h=5 m=3 s=4
